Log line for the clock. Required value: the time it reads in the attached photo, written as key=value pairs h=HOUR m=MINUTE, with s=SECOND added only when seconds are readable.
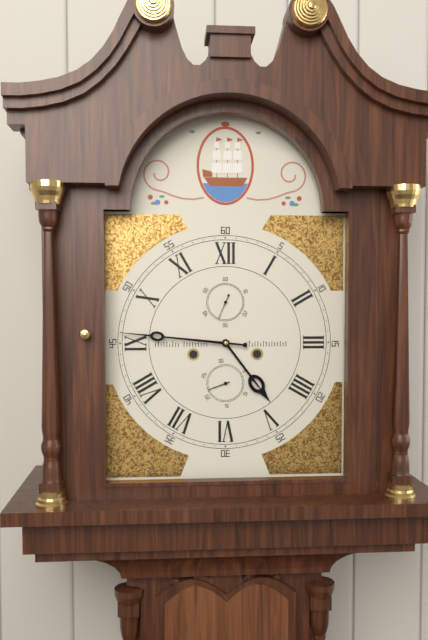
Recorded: h=4 m=46
